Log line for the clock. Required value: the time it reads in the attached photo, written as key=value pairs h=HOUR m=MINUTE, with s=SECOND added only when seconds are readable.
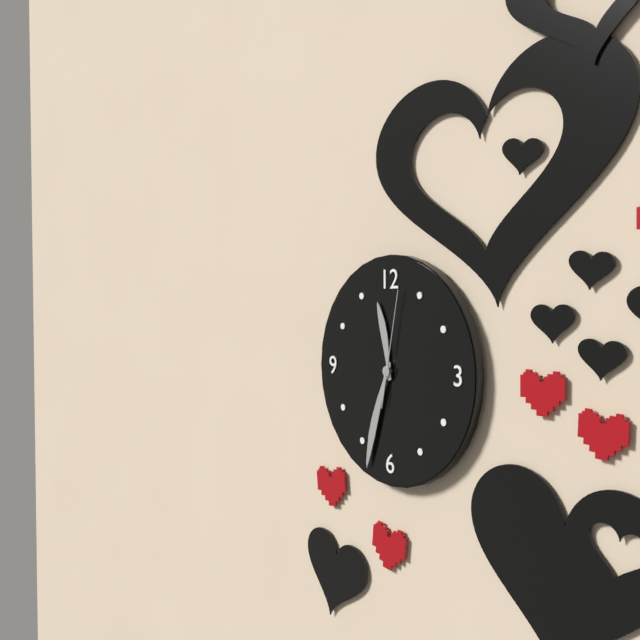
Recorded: h=11 m=33 s=2
